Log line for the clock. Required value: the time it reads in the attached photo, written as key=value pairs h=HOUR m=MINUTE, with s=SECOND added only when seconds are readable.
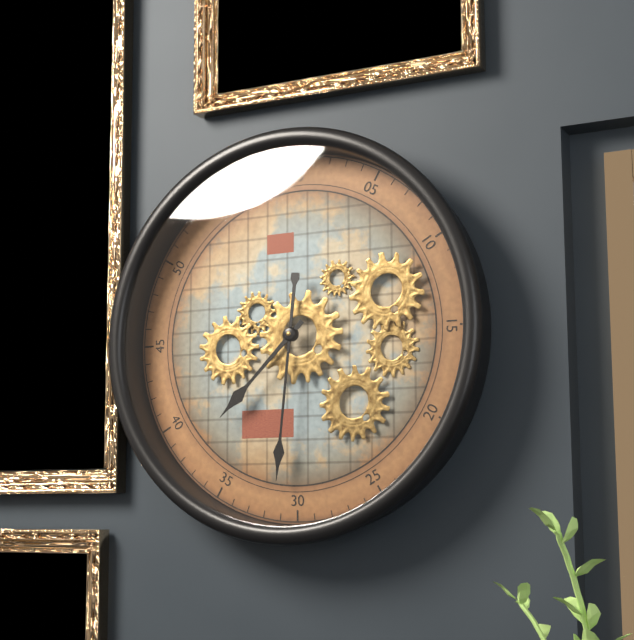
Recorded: h=7 m=31
